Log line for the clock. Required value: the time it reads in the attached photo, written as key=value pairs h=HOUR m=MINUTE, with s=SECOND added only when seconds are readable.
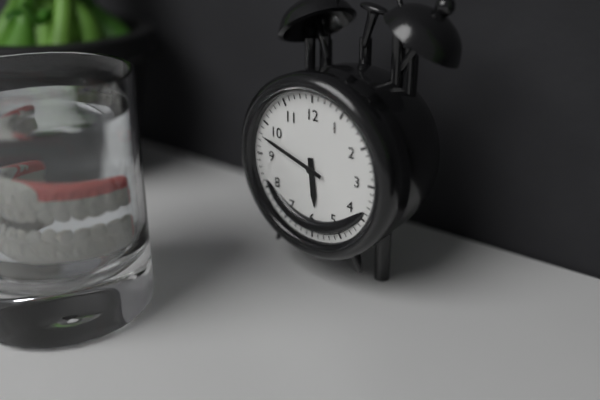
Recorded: h=5 m=48
